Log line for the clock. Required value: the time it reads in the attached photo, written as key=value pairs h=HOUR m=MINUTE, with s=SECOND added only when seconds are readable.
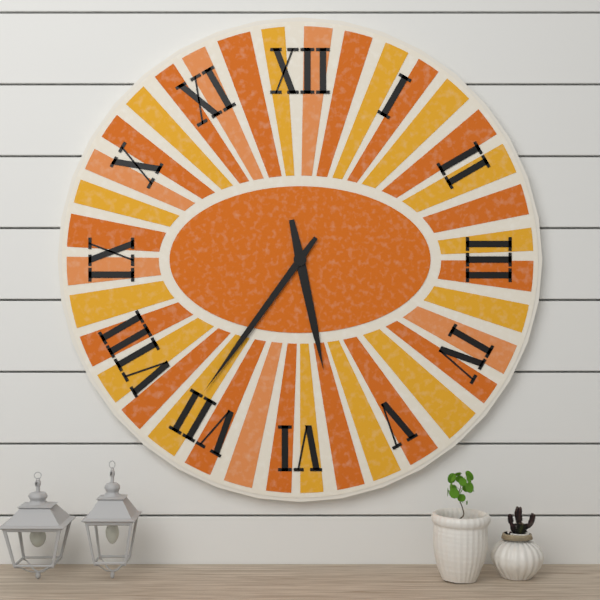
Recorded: h=5 m=36
